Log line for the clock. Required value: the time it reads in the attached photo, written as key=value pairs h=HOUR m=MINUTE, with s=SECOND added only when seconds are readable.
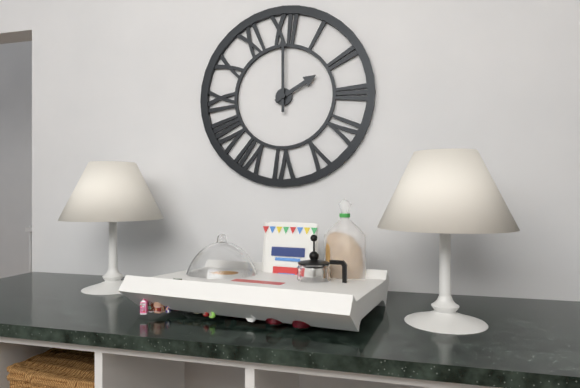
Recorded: h=2 m=0
